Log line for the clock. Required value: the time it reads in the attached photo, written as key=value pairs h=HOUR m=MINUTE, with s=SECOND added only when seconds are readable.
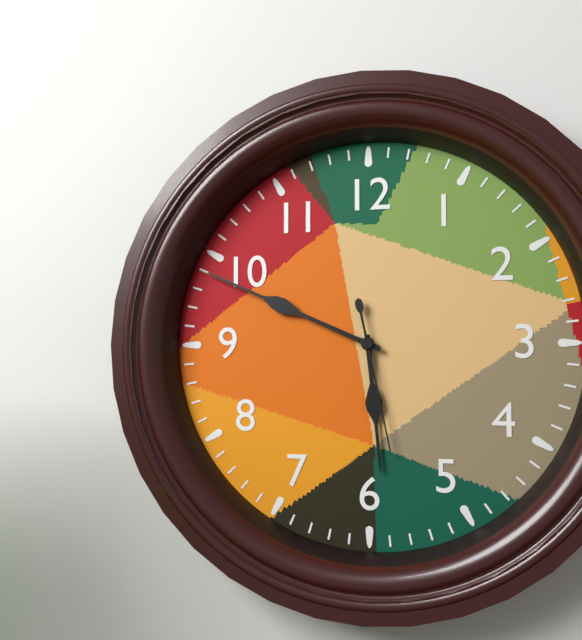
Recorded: h=5 m=49 s=28
